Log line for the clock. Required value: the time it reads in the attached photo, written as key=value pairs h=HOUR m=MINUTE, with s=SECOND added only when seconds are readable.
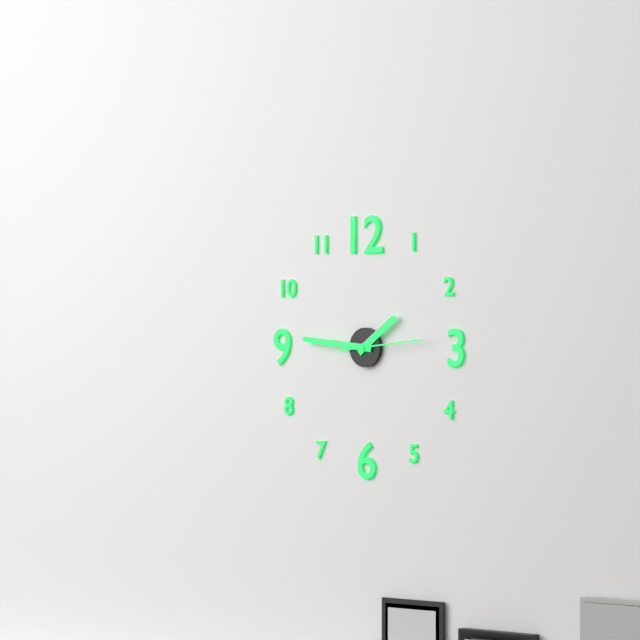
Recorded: h=1 m=46 s=14
